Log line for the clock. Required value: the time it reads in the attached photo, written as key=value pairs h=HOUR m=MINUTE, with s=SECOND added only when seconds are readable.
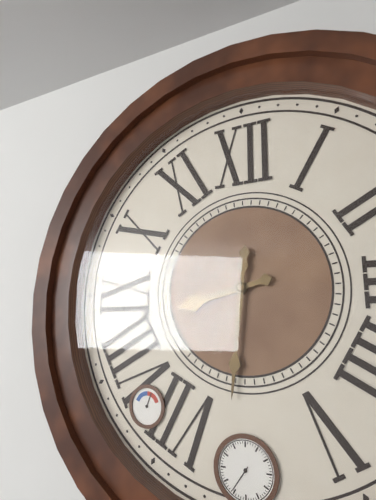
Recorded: h=8 m=31
